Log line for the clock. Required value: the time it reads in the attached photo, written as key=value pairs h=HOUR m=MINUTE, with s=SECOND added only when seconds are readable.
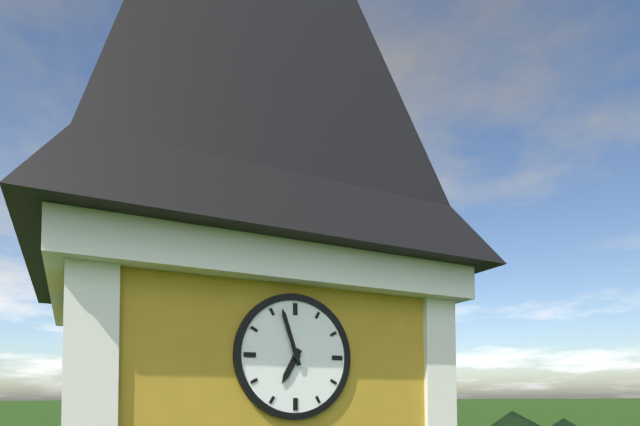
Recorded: h=6 m=57
